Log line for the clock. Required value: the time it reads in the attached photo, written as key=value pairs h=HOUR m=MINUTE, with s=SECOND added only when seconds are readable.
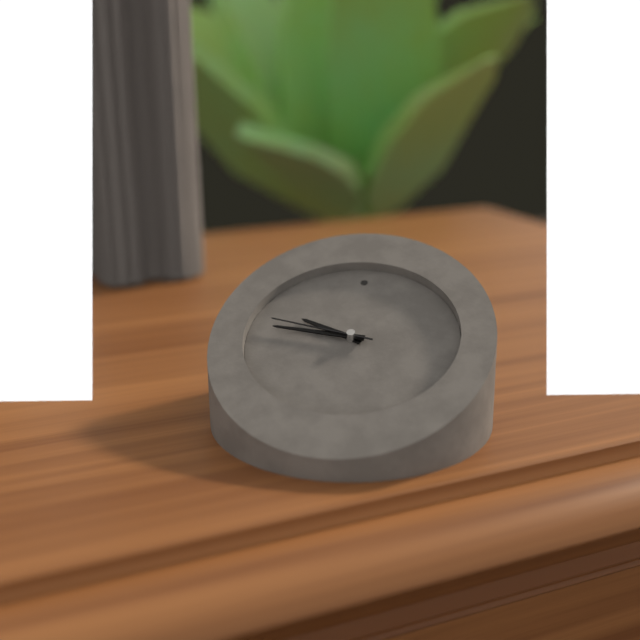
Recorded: h=9 m=46 s=47
